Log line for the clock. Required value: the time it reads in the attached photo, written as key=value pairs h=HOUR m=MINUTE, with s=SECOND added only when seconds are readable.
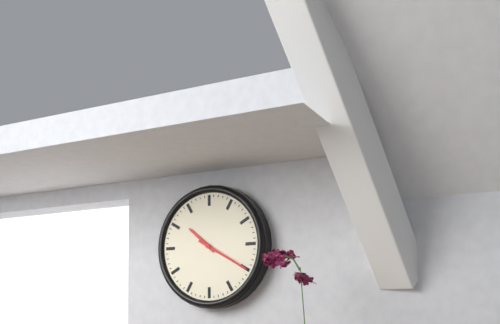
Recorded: h=10 m=20
